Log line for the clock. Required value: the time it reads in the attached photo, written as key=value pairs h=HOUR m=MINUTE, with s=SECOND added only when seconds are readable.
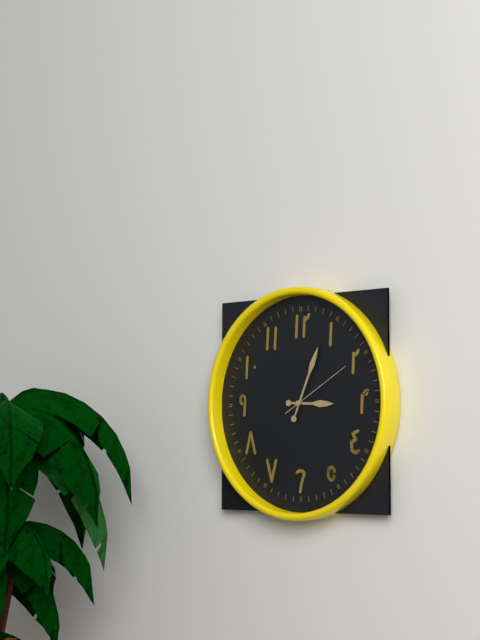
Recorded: h=3 m=4 s=10
